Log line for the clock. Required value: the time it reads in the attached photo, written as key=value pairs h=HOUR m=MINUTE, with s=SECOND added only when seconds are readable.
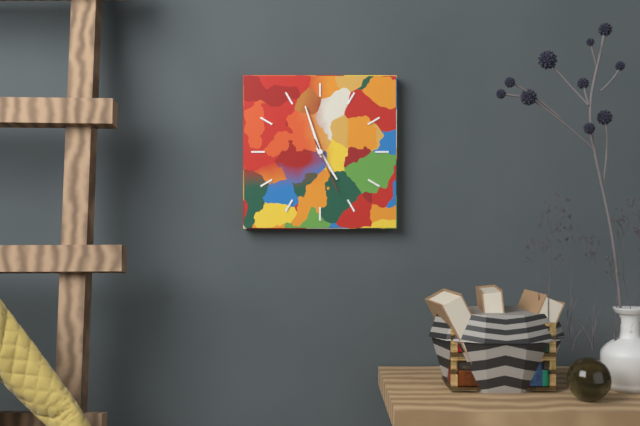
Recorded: h=4 m=57 s=26
